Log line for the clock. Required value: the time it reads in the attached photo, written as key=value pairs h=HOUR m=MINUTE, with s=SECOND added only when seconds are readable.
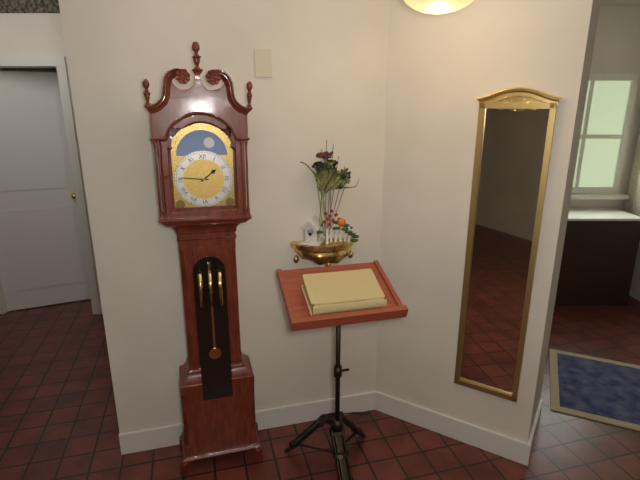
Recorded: h=1 m=46
